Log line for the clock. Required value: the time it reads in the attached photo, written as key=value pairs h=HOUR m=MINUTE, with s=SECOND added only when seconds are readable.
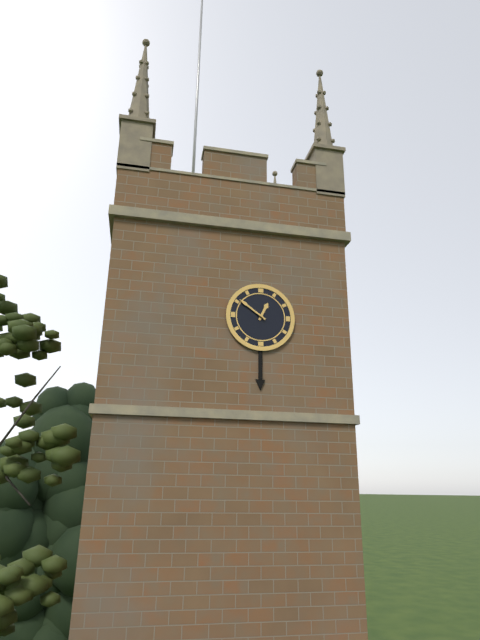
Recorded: h=12 m=51
